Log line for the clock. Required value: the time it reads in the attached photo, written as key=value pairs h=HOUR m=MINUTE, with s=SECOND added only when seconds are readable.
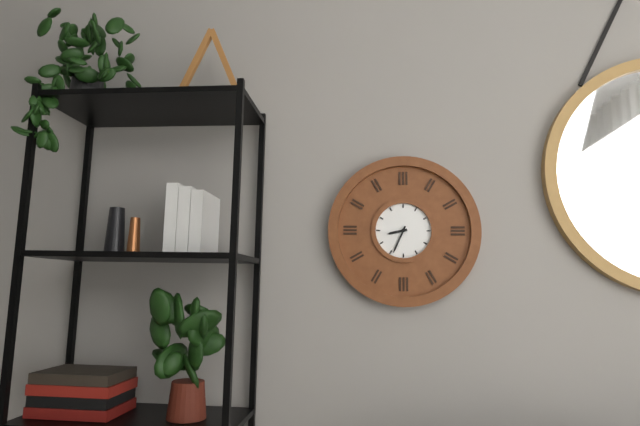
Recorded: h=8 m=34
